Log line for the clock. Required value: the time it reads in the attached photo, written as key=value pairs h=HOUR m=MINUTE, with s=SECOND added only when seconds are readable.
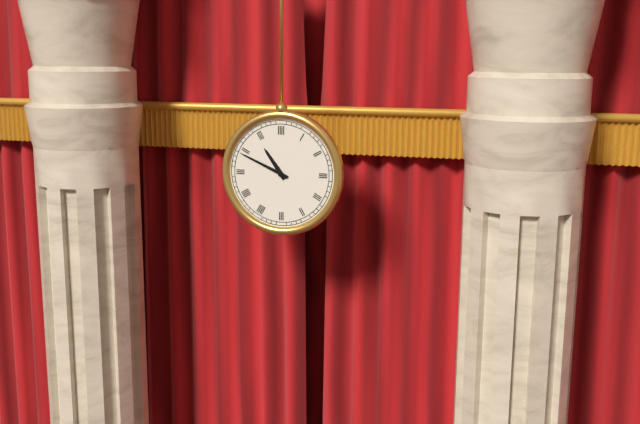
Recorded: h=10 m=49
